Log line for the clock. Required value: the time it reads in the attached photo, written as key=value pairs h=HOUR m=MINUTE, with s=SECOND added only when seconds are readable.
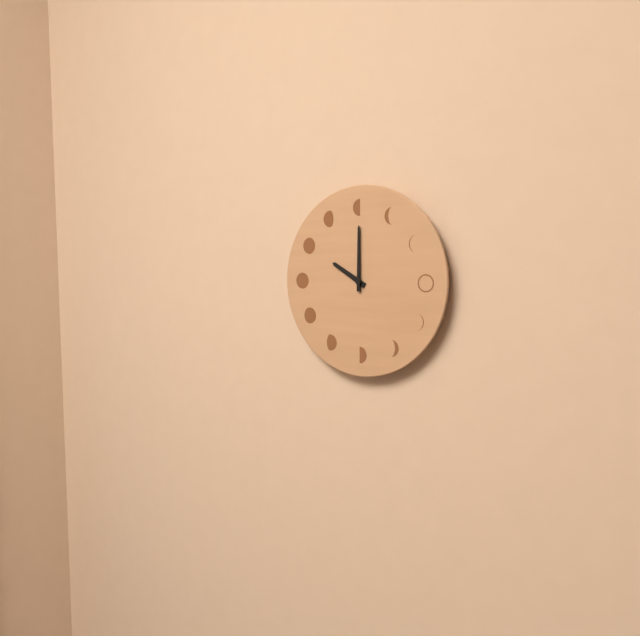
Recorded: h=10 m=0
